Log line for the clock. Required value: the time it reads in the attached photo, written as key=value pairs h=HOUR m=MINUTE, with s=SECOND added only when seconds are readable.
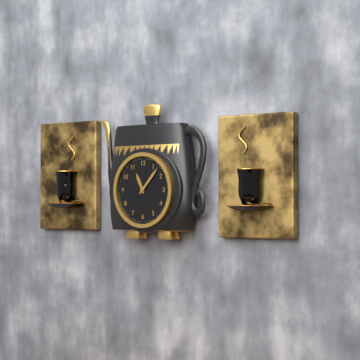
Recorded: h=11 m=7
